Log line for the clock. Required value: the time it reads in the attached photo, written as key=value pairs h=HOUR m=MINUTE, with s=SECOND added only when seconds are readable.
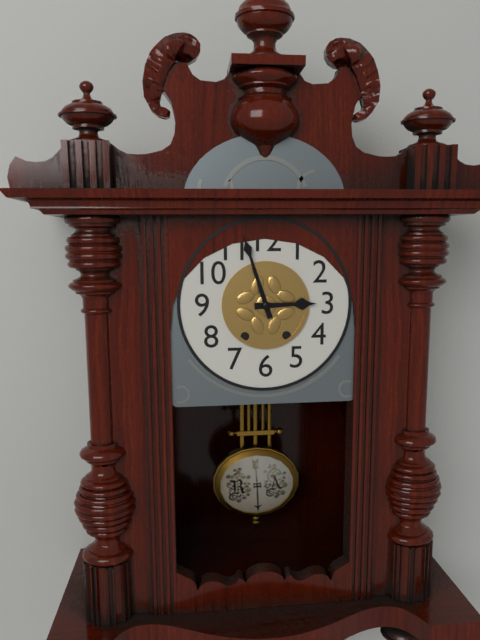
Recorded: h=2 m=57
